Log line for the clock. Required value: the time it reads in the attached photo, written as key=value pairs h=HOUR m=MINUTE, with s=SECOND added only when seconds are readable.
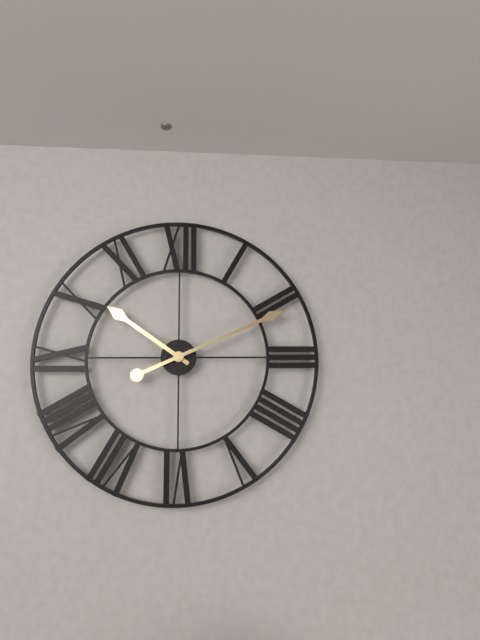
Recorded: h=10 m=11
